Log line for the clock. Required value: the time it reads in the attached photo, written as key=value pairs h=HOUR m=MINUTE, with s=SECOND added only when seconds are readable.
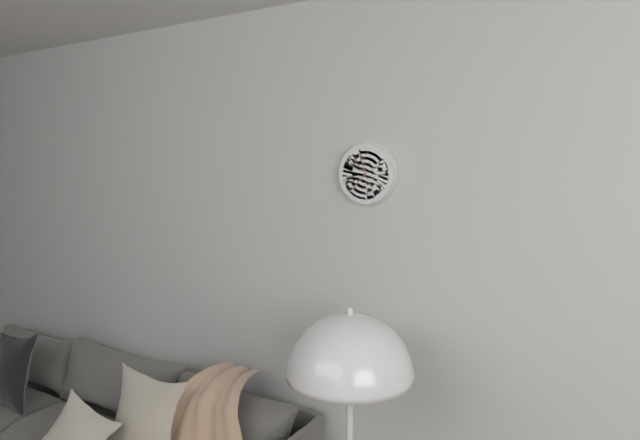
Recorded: h=11 m=37
